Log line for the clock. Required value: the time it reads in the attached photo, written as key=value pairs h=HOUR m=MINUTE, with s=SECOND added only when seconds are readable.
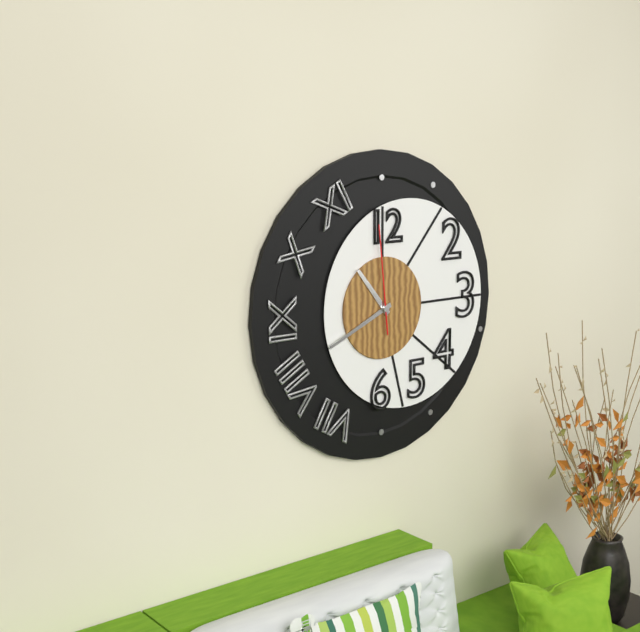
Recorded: h=10 m=41 s=59
